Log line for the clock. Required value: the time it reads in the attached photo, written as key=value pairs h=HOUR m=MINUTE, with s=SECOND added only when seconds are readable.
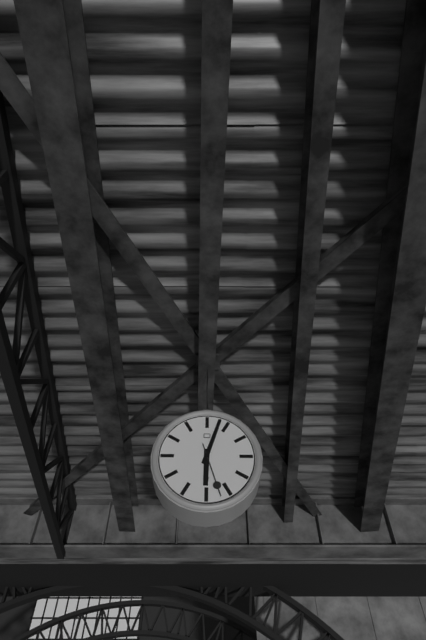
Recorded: h=6 m=3 s=27
